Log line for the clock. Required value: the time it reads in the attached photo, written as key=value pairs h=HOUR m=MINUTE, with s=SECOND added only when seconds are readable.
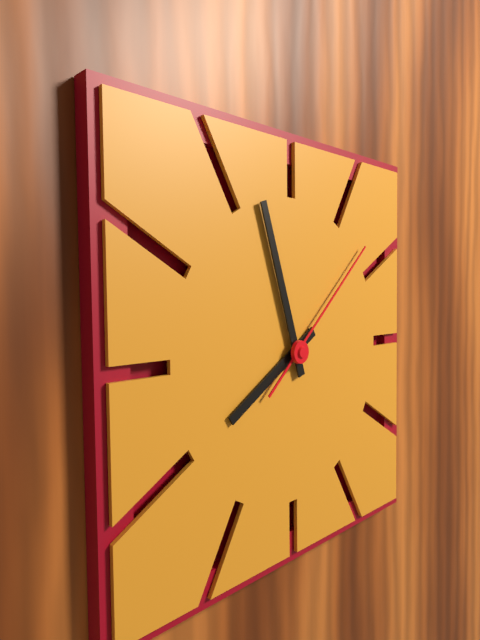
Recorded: h=7 m=57 s=8
